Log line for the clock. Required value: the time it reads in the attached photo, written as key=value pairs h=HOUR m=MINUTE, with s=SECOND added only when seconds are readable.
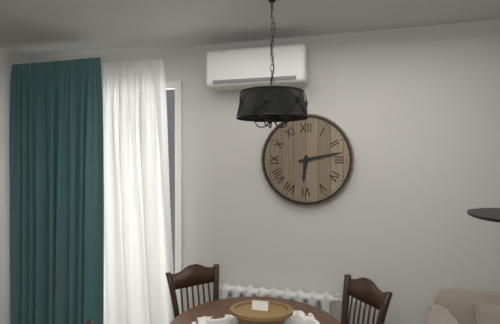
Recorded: h=6 m=13
